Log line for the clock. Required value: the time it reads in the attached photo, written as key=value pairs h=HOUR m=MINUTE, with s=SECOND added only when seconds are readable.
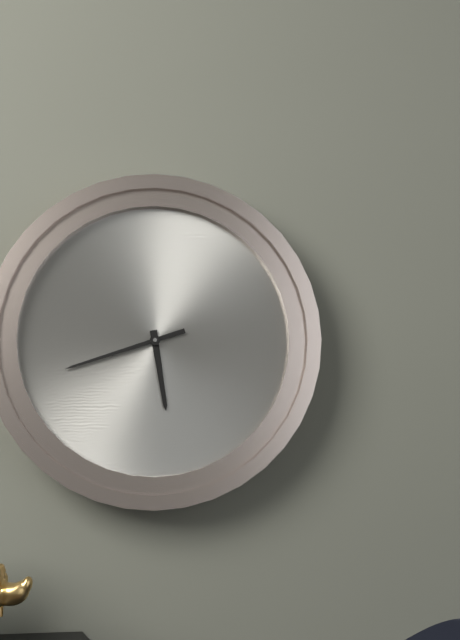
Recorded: h=5 m=42
